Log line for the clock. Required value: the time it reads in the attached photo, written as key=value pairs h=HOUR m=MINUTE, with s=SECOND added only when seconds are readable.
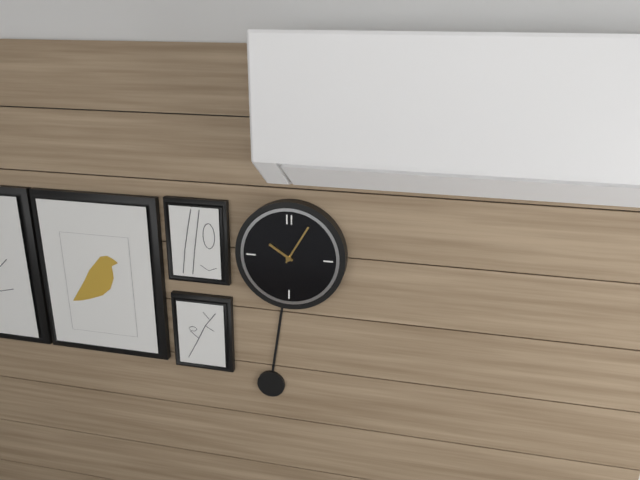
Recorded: h=10 m=5
